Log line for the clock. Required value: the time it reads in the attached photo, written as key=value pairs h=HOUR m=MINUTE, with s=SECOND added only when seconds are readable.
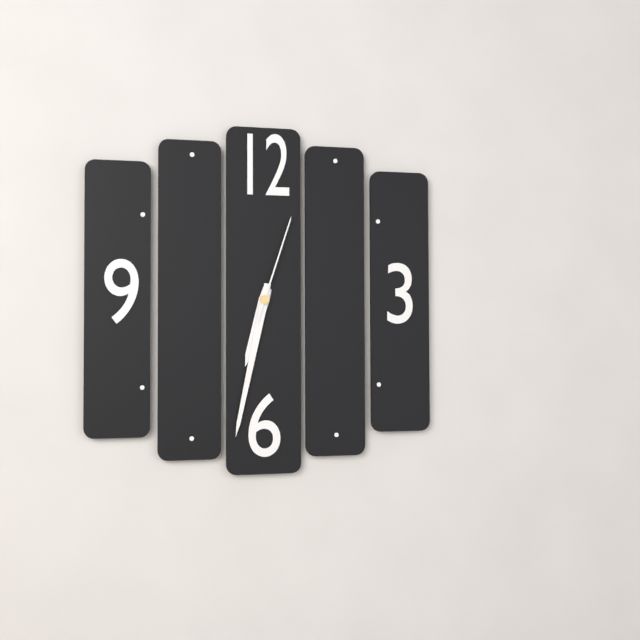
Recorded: h=6 m=32 s=3
